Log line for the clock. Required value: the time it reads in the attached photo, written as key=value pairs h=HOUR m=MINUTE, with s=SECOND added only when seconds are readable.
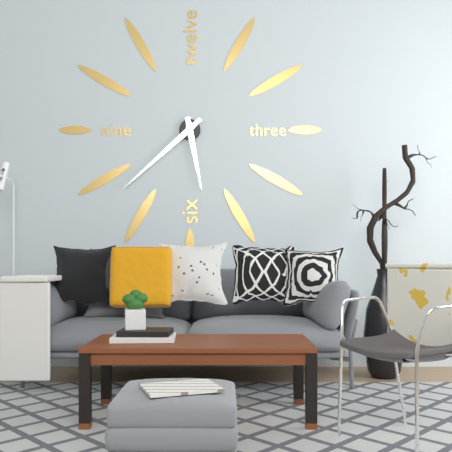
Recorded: h=5 m=38
